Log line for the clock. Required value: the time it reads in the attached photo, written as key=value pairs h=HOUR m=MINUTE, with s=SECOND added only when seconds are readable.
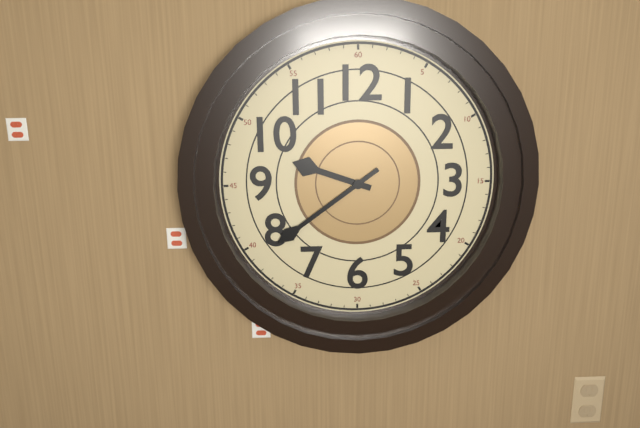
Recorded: h=9 m=39
